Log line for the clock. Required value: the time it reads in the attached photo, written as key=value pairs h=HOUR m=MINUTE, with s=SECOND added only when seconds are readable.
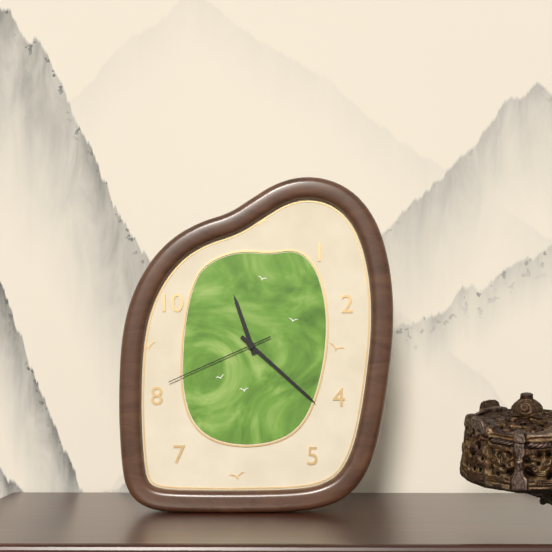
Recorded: h=11 m=22 s=41
